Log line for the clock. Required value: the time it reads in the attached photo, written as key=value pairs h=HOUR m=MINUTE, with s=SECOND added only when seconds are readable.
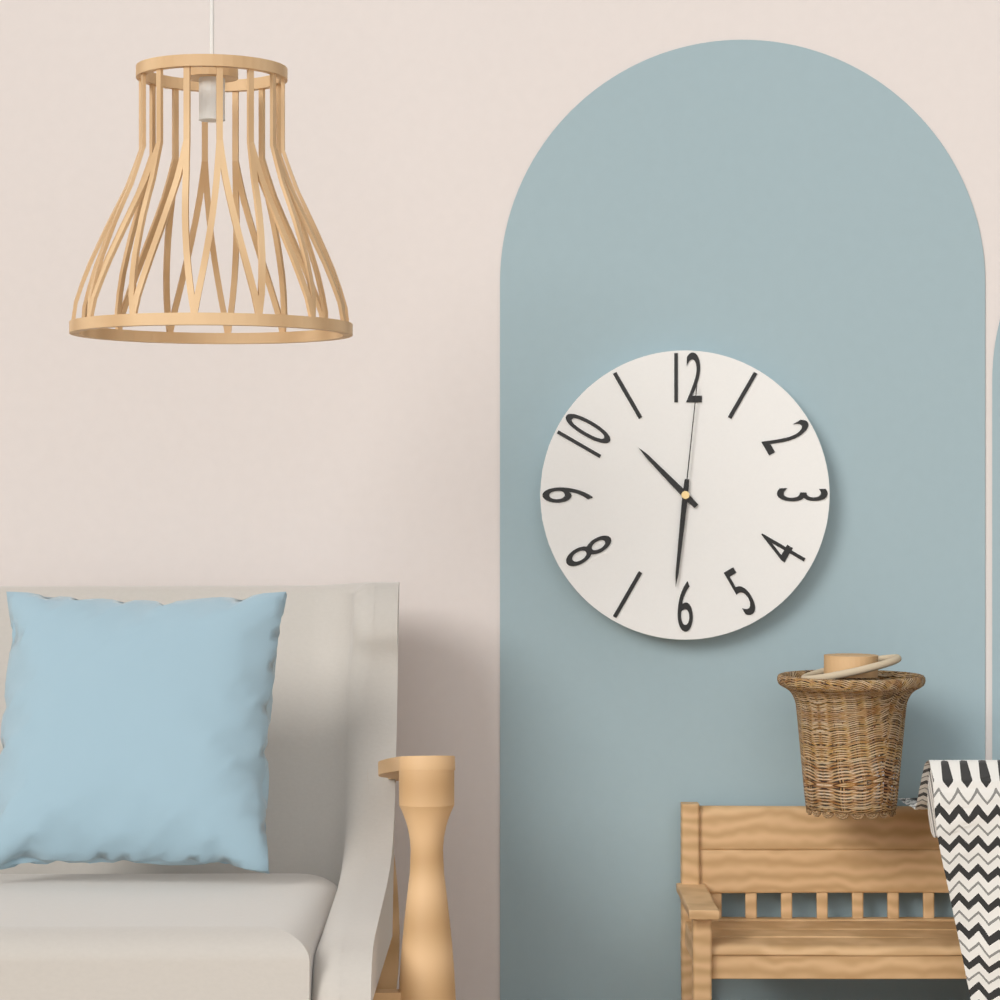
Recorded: h=10 m=31 s=1
